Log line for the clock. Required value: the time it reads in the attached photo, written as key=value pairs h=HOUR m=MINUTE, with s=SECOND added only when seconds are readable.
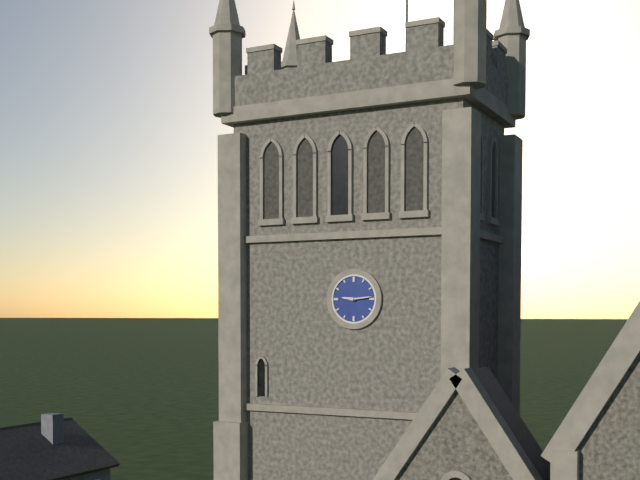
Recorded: h=9 m=14
